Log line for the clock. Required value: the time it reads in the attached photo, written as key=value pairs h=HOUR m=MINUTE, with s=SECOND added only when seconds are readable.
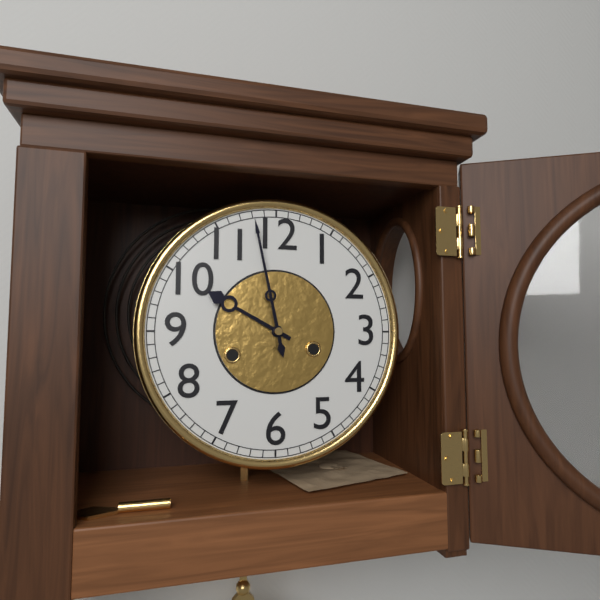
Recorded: h=9 m=58
